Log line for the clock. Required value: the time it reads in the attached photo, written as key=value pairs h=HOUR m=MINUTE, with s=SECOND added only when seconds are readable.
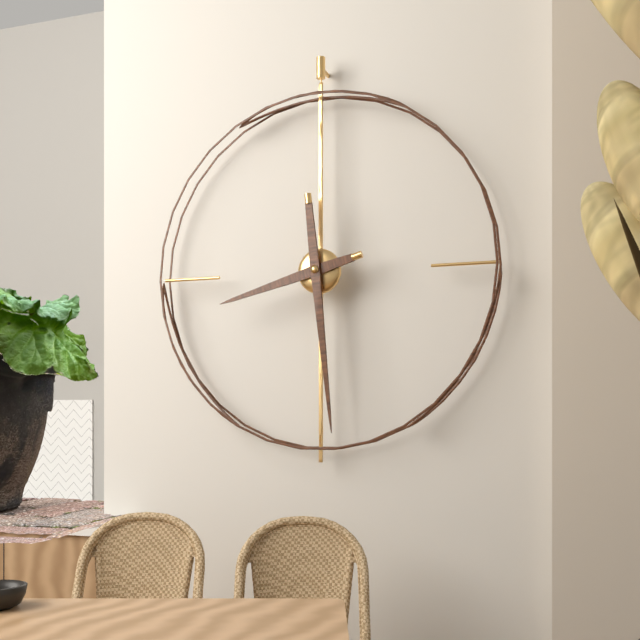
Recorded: h=8 m=29
